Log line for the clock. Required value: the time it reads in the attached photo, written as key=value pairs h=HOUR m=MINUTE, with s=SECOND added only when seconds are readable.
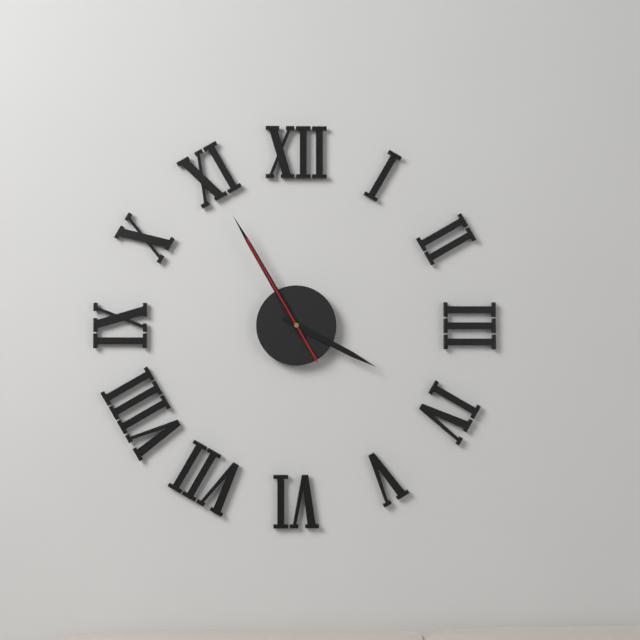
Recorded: h=3 m=55 s=55
